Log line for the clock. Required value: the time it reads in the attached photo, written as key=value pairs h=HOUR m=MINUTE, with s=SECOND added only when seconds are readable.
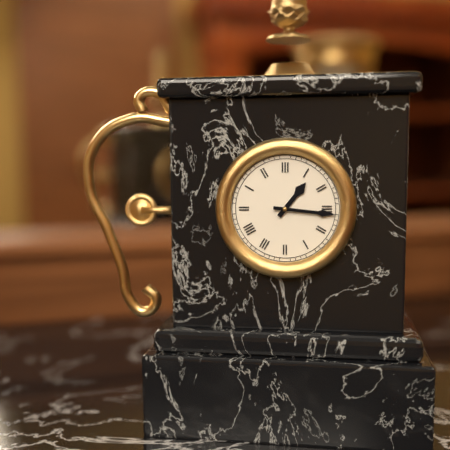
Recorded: h=1 m=16
